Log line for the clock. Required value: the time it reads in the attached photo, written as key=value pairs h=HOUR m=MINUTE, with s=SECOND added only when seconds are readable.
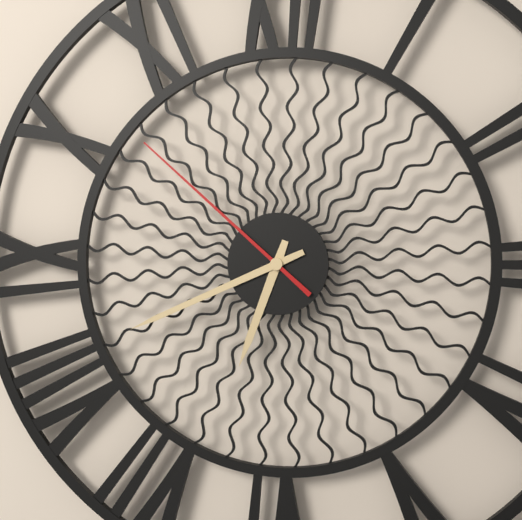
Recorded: h=6 m=41 s=52
